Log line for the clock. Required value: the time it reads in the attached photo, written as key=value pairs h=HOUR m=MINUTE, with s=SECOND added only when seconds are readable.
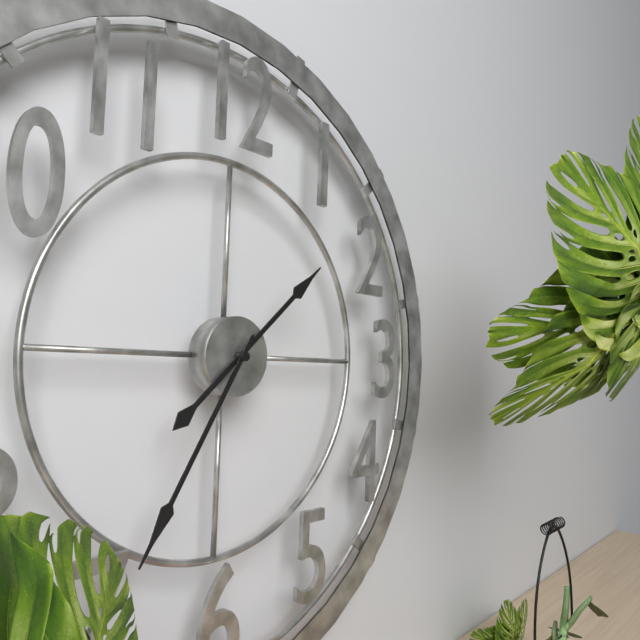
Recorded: h=1 m=35
